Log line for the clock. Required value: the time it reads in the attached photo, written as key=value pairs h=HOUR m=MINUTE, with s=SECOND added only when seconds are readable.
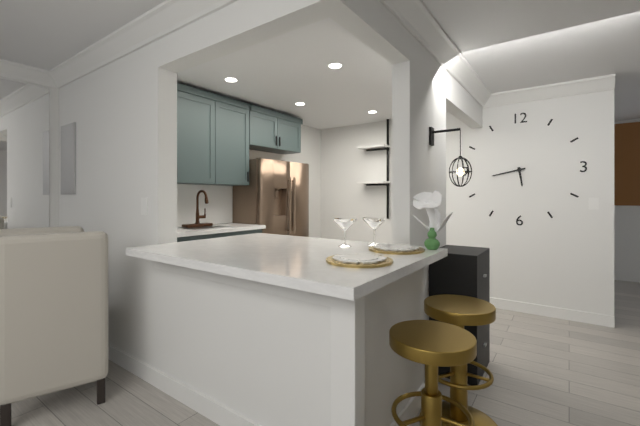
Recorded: h=5 m=43
